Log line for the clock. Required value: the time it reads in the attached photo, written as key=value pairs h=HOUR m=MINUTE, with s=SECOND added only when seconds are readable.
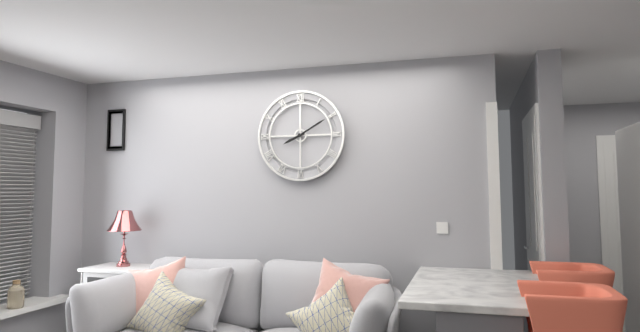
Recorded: h=8 m=10
